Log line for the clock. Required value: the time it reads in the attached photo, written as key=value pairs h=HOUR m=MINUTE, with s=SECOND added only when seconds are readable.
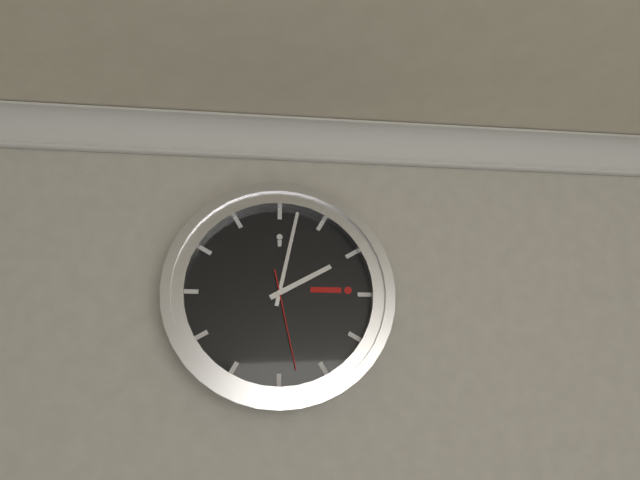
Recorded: h=2 m=2 s=28
